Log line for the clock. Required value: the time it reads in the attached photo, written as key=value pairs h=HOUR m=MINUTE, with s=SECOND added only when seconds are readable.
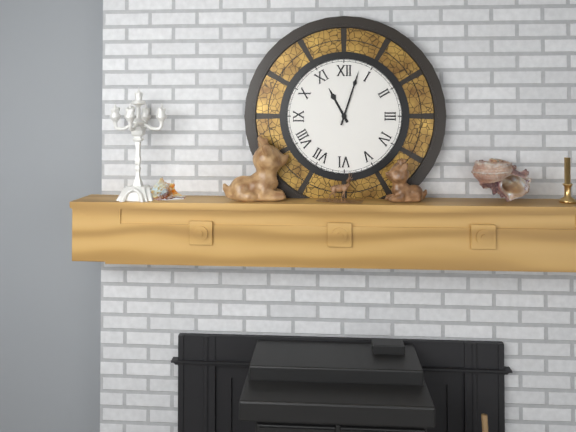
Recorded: h=11 m=3
